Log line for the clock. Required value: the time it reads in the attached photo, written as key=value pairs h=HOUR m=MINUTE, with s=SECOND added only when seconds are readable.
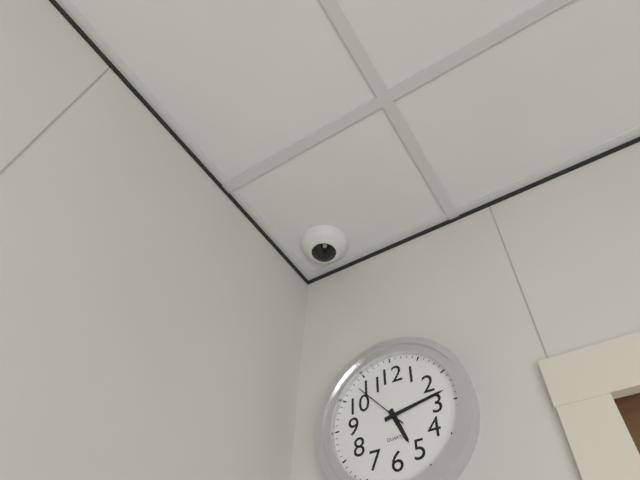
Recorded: h=5 m=13 s=53
